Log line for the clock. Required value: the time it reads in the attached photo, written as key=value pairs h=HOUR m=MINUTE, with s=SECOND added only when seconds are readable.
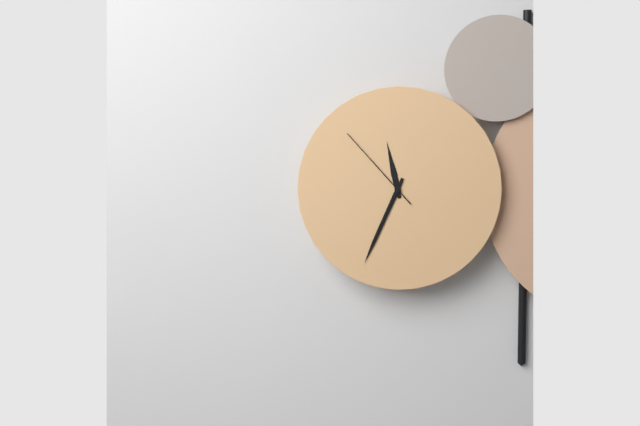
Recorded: h=11 m=34 s=53
